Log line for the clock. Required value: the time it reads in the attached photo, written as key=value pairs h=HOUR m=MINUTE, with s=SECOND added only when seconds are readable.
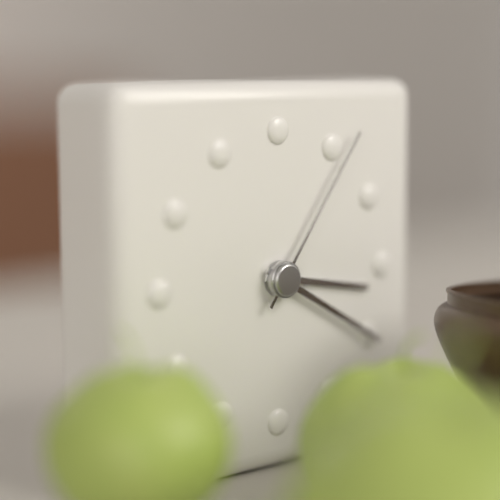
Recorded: h=3 m=20 s=6
